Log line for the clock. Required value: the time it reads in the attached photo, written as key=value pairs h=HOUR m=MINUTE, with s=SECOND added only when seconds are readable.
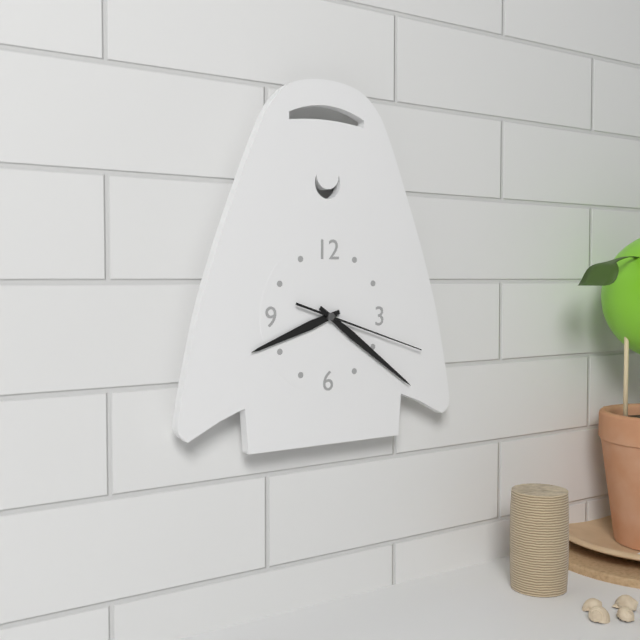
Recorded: h=8 m=21 s=18
